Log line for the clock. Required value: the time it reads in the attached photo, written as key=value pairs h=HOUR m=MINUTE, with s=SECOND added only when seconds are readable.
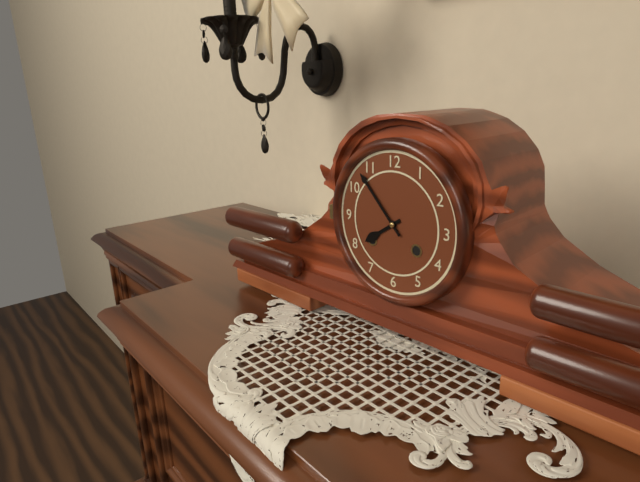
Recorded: h=7 m=53
